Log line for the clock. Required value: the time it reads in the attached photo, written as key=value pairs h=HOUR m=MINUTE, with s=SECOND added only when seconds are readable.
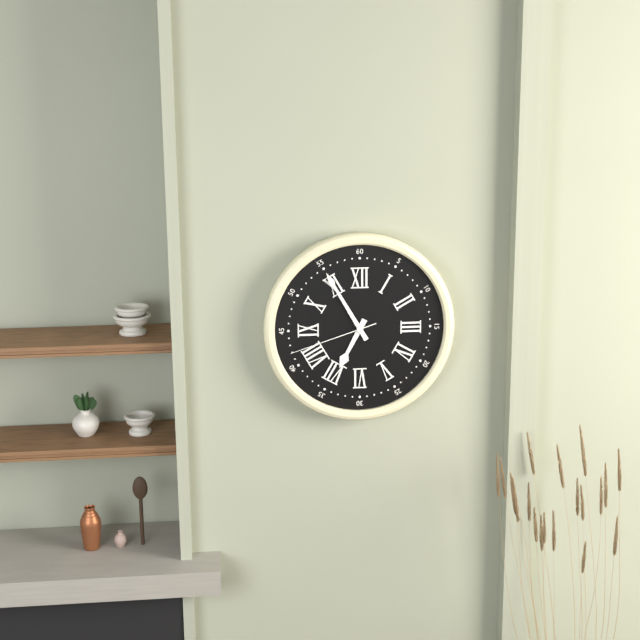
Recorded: h=6 m=55 s=42
